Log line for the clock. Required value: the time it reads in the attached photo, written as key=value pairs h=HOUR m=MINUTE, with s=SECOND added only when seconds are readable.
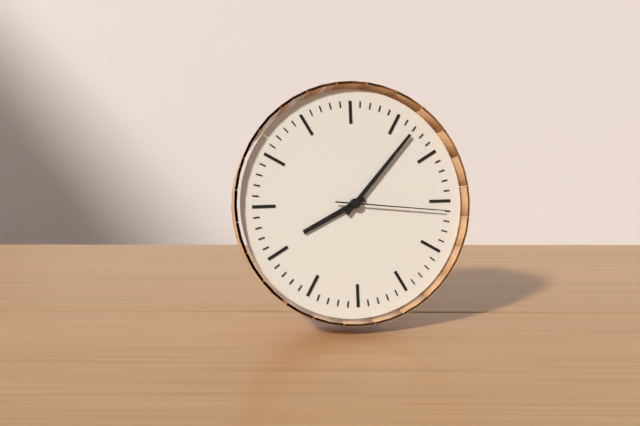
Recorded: h=8 m=7 s=16
